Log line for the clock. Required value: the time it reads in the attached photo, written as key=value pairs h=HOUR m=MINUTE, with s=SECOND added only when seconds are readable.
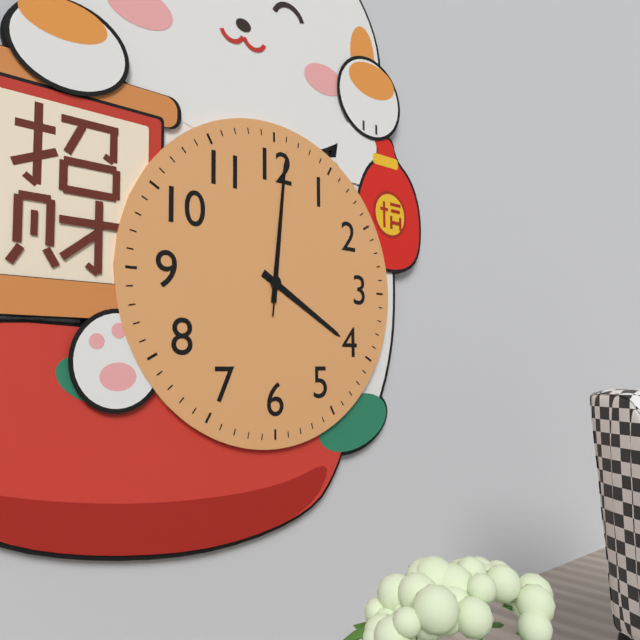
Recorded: h=4 m=1 s=1
